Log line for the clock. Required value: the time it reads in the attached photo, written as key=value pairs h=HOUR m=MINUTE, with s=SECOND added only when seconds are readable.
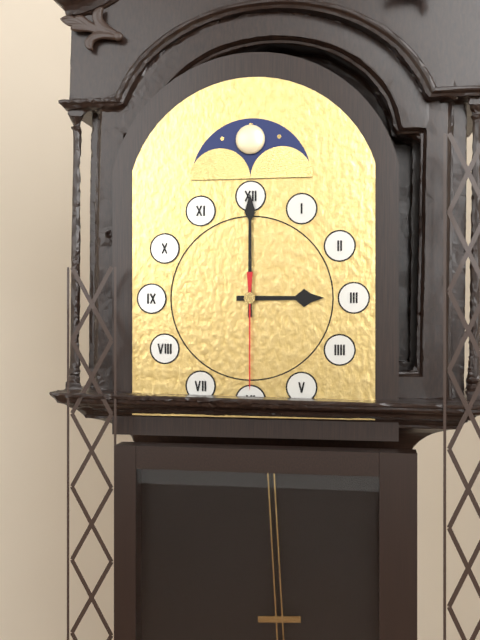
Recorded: h=3 m=0 s=30
